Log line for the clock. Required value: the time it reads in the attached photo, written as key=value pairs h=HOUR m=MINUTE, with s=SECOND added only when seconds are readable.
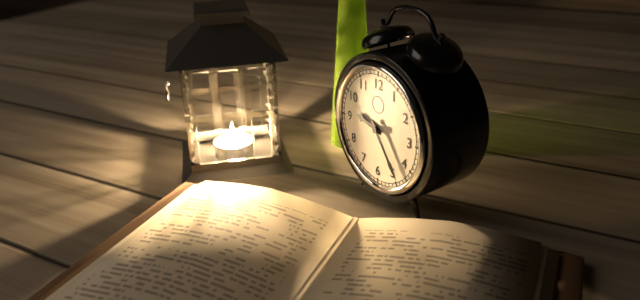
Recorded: h=9 m=24
